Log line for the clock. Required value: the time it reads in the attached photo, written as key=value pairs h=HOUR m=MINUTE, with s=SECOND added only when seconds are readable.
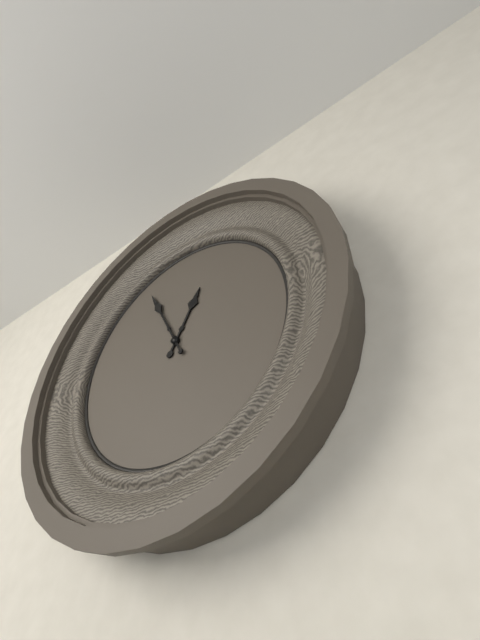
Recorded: h=12 m=56
